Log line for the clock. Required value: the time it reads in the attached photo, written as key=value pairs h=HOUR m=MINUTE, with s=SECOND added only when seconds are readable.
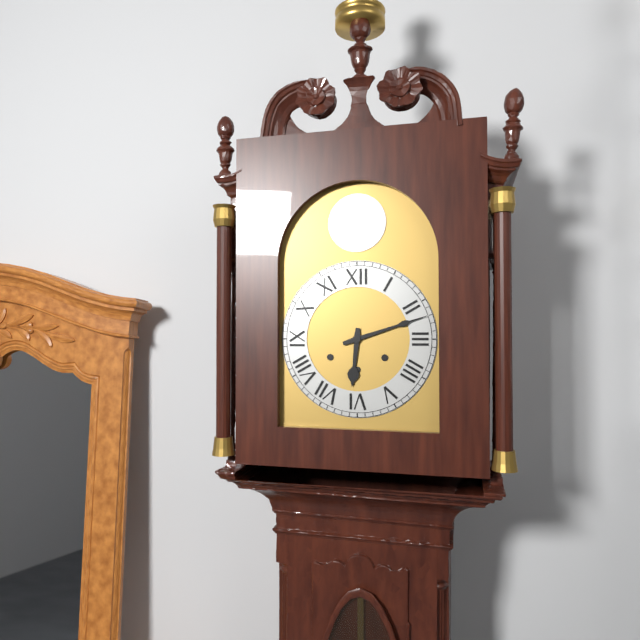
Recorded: h=6 m=12
